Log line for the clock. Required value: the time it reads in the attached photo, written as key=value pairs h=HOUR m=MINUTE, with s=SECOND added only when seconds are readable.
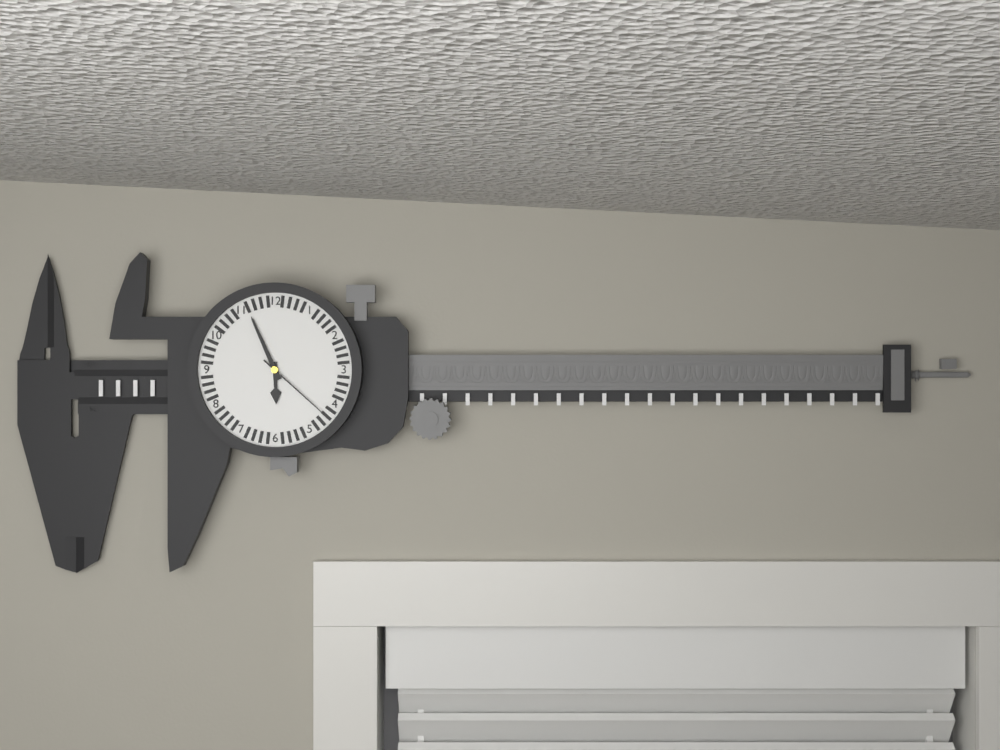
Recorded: h=5 m=56 s=22
